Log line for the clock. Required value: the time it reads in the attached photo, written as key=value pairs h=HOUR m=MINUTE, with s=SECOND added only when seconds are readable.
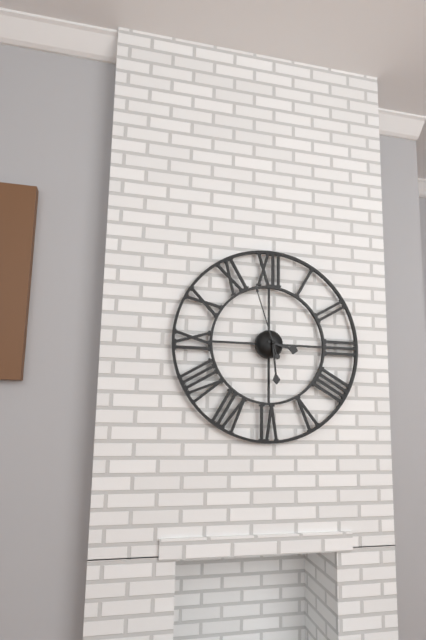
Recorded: h=3 m=29 s=57
